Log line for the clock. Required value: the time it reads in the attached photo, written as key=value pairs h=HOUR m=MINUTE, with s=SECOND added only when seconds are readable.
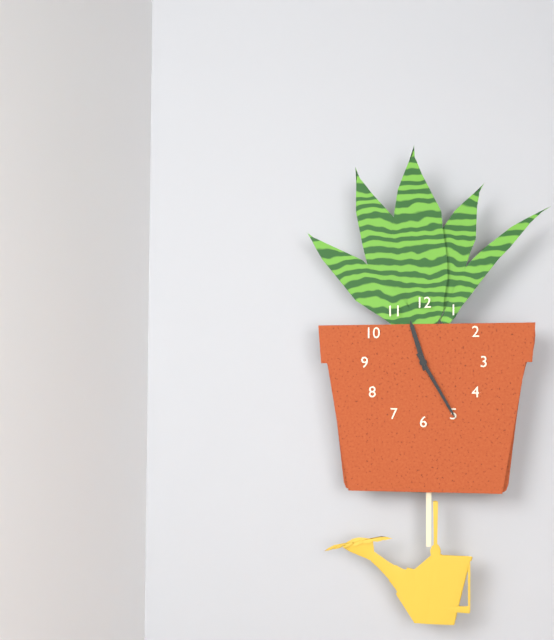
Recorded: h=11 m=25
